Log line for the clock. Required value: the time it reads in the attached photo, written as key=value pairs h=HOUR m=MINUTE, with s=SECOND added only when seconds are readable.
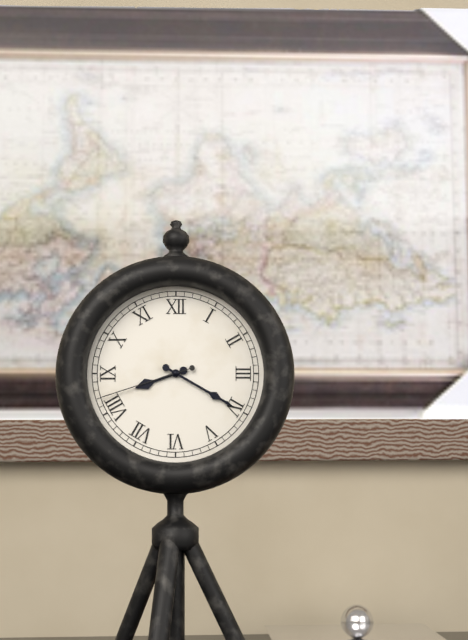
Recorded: h=8 m=20 s=42
